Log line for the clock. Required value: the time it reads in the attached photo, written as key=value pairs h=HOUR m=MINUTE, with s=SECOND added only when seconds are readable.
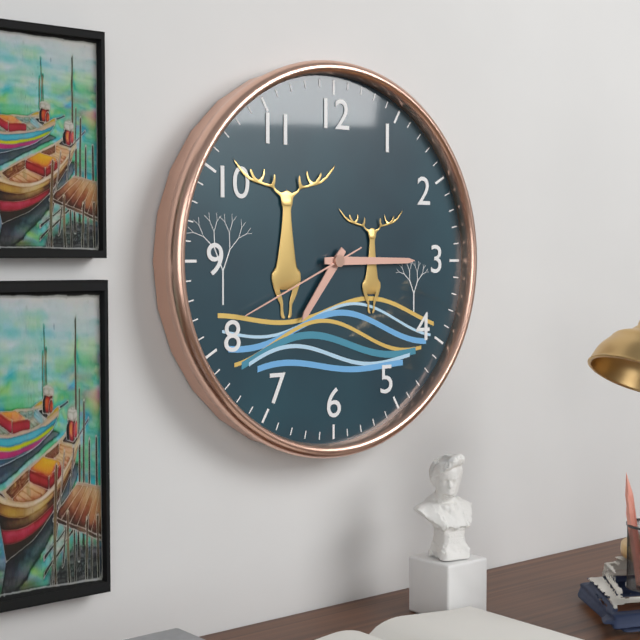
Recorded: h=7 m=15 s=41
